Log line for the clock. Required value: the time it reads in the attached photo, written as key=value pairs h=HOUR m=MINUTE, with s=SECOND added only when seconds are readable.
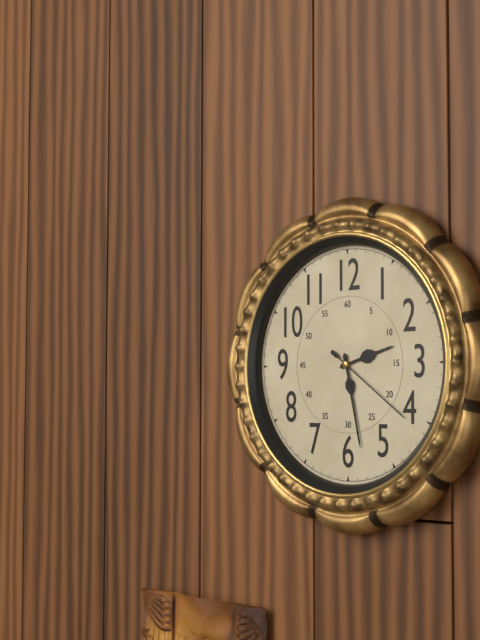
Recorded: h=2 m=28 s=21
